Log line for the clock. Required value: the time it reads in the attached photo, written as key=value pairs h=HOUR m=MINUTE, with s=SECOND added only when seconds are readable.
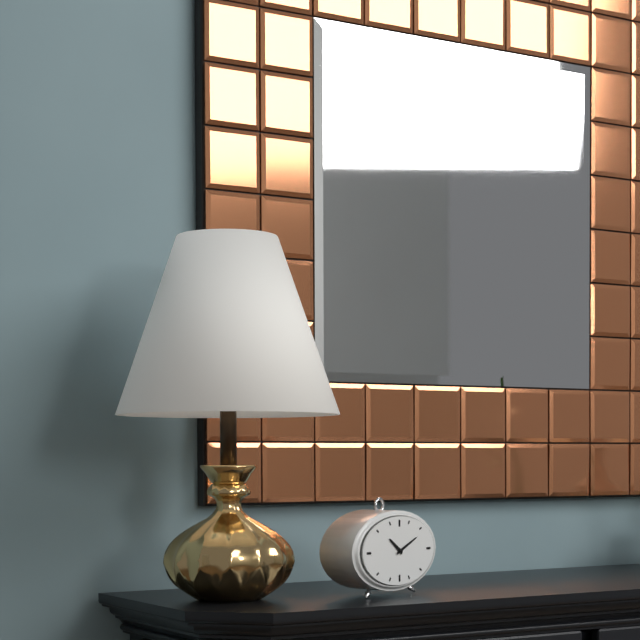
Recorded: h=10 m=11
